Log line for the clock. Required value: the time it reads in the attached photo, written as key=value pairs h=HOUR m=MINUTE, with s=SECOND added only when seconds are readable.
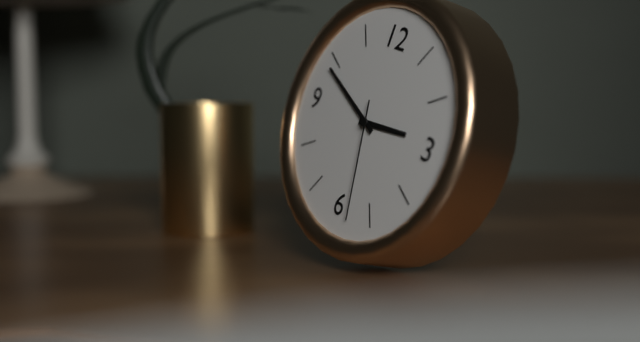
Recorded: h=2 m=49 s=28
